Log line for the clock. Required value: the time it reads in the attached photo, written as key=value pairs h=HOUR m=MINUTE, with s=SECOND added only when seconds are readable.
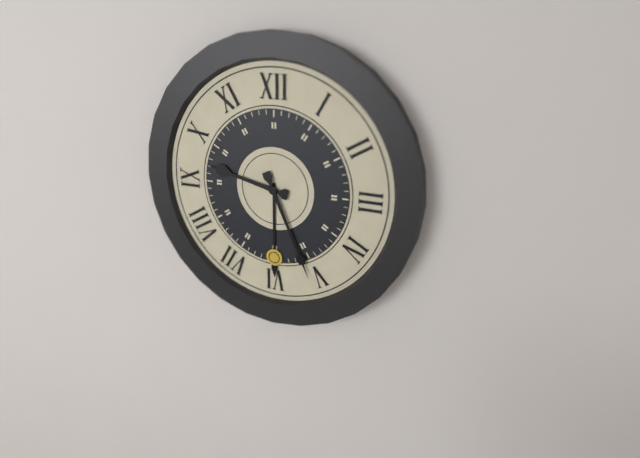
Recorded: h=9 m=26
